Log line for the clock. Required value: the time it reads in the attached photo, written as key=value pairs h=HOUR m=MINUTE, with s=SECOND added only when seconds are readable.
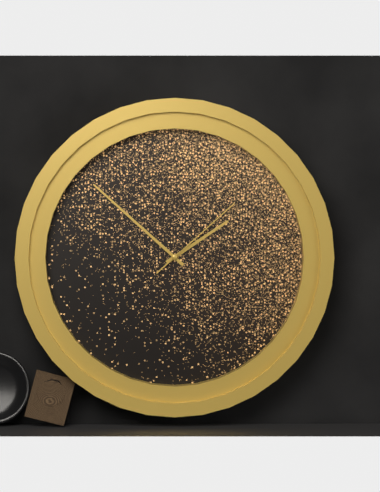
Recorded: h=1 m=52 s=8
